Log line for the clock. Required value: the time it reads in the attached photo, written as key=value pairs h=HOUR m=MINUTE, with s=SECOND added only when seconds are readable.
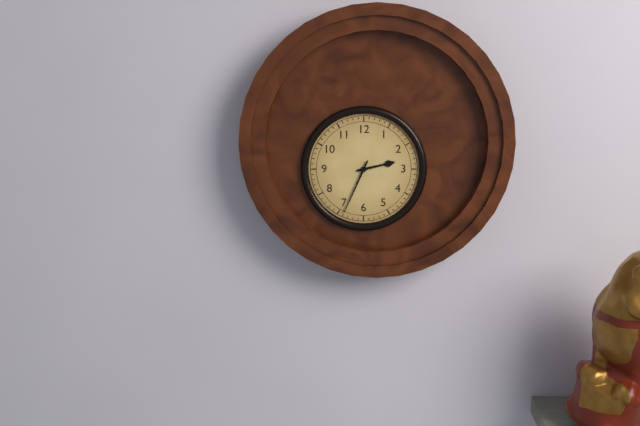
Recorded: h=2 m=34
